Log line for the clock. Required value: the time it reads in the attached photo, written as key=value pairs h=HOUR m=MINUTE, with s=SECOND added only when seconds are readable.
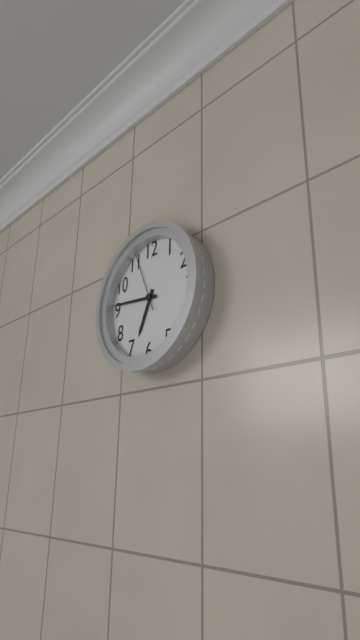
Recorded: h=6 m=46 s=56
